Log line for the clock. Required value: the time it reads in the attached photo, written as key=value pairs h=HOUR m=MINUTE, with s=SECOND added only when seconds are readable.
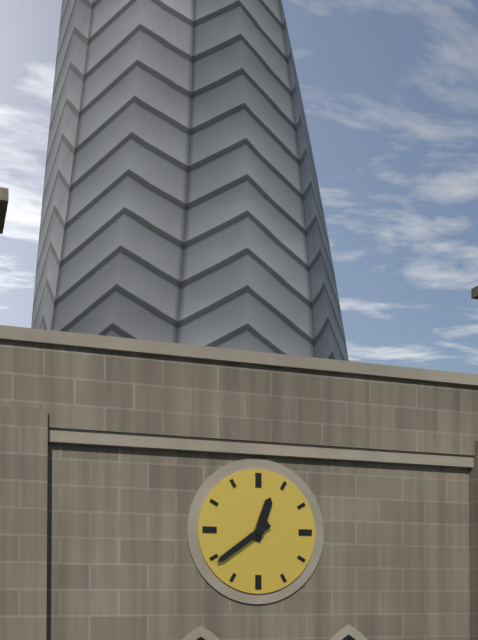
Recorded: h=12 m=39
